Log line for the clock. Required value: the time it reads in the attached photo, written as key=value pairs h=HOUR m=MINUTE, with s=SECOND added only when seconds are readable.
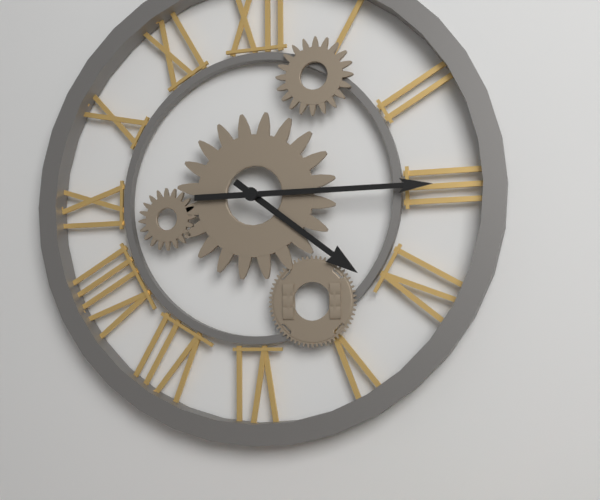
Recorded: h=4 m=15
